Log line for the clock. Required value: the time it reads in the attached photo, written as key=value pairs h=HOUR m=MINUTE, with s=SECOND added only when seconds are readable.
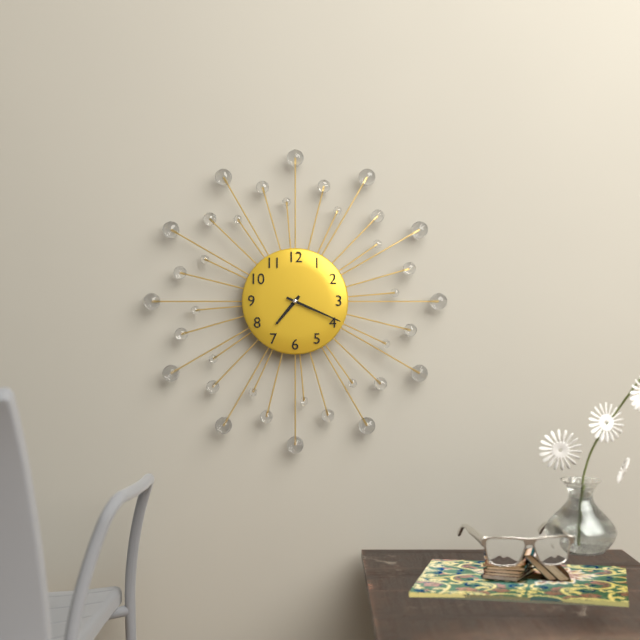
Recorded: h=7 m=19
